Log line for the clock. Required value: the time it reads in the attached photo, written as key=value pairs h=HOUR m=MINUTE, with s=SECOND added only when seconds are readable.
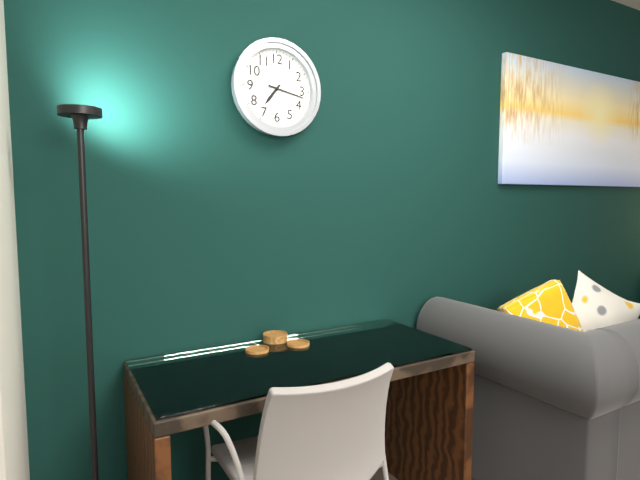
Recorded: h=7 m=17
